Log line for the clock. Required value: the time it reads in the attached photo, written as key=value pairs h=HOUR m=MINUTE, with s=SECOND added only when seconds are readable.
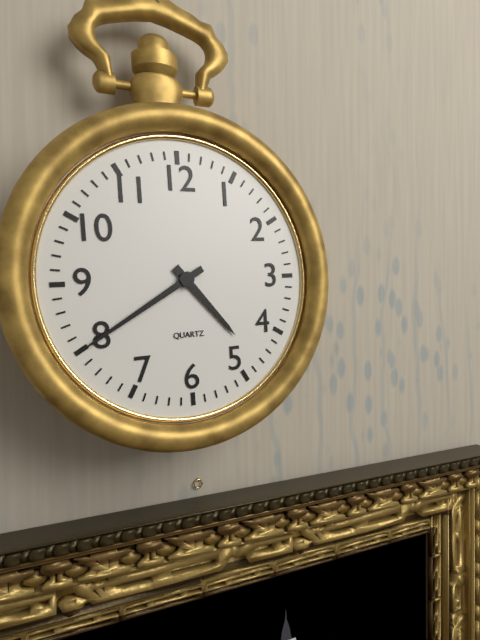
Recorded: h=4 m=40
